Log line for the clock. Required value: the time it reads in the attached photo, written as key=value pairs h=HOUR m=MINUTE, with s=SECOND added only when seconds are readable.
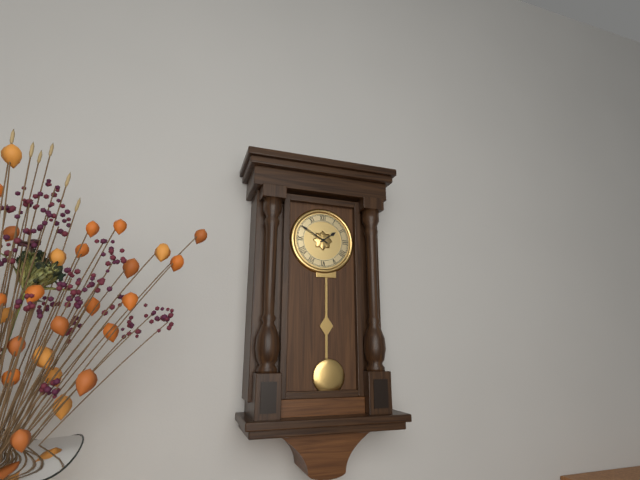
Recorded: h=1 m=50
